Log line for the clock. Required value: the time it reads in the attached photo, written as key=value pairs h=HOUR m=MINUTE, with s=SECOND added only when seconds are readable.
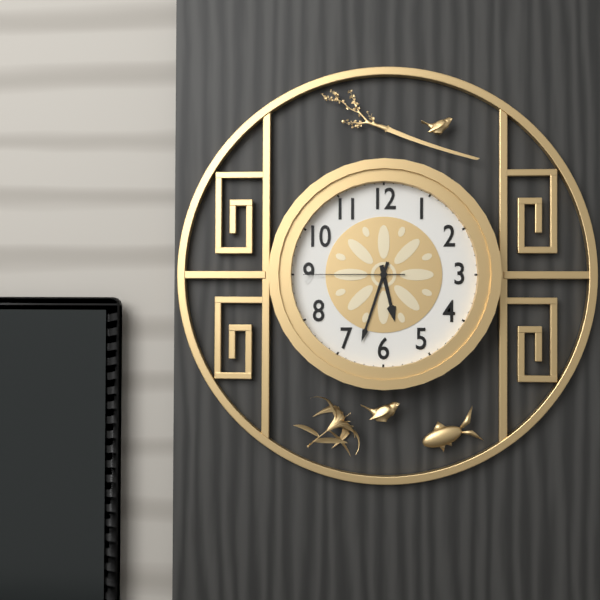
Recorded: h=5 m=33 s=45
